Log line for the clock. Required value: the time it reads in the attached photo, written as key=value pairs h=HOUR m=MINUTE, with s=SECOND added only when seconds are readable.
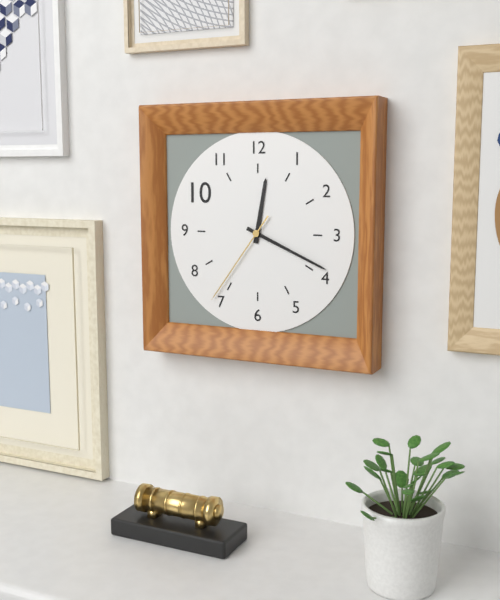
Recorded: h=12 m=19 s=36
